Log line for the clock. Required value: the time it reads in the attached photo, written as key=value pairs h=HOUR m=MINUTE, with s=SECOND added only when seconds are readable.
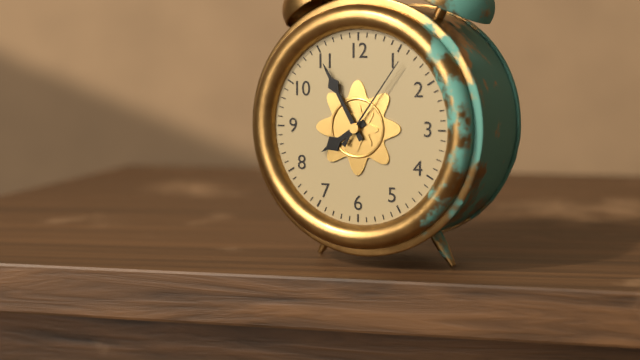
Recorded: h=7 m=55 s=6
